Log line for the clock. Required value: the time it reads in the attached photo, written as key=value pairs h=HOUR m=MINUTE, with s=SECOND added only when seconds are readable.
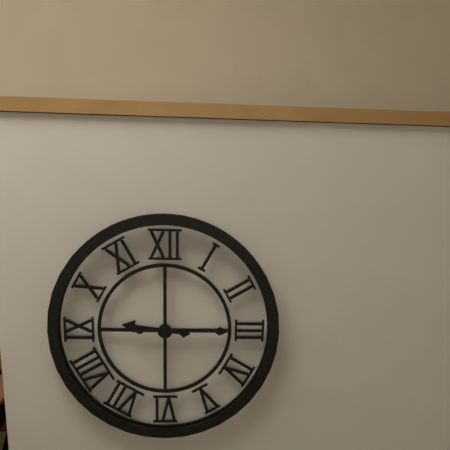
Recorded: h=9 m=15
